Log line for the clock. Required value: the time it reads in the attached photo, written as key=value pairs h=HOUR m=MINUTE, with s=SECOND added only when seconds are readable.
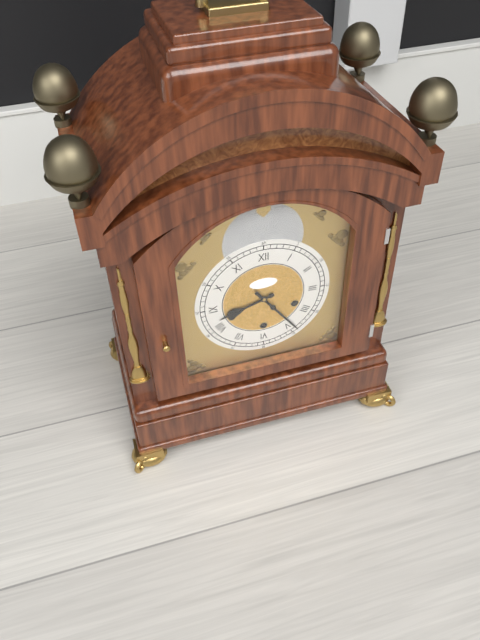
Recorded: h=8 m=24
